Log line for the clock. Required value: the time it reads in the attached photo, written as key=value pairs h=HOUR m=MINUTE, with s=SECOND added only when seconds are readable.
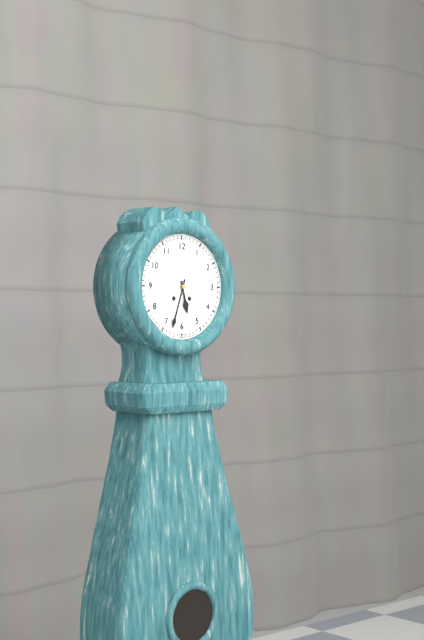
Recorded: h=5 m=33
